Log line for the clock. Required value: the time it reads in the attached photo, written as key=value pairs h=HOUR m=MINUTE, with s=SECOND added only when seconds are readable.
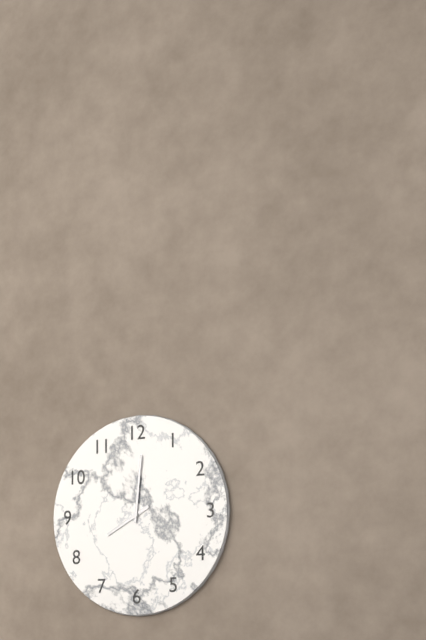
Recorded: h=8 m=1
